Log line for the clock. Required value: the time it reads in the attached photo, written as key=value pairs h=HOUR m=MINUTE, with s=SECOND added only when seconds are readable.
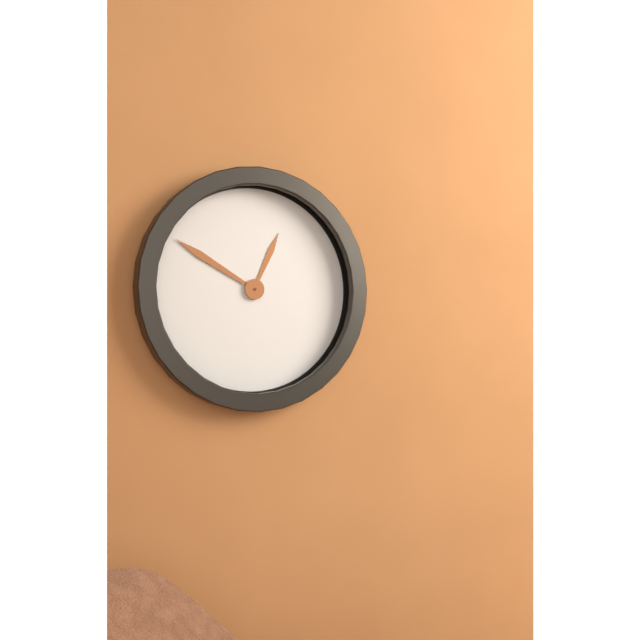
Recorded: h=12 m=50
